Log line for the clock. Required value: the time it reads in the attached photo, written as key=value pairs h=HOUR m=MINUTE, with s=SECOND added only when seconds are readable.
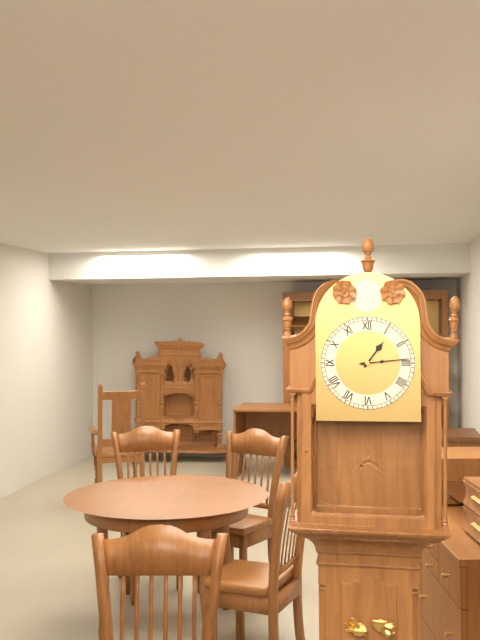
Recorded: h=1 m=14
